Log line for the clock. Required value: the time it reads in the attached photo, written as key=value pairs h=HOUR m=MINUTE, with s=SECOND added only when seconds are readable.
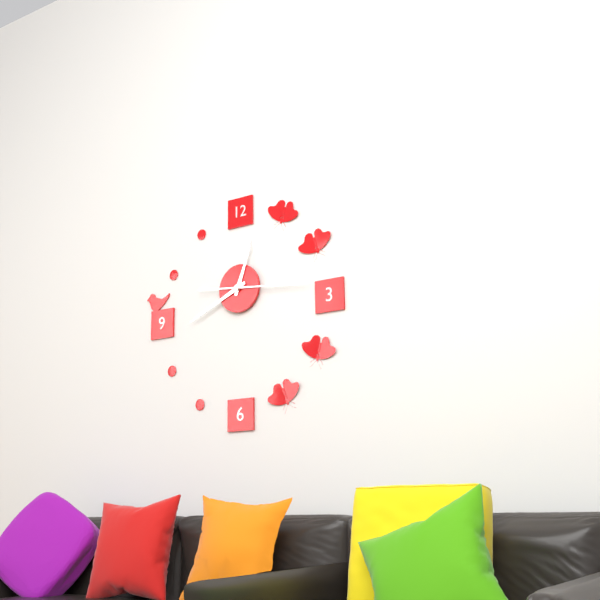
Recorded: h=12 m=41 s=16
